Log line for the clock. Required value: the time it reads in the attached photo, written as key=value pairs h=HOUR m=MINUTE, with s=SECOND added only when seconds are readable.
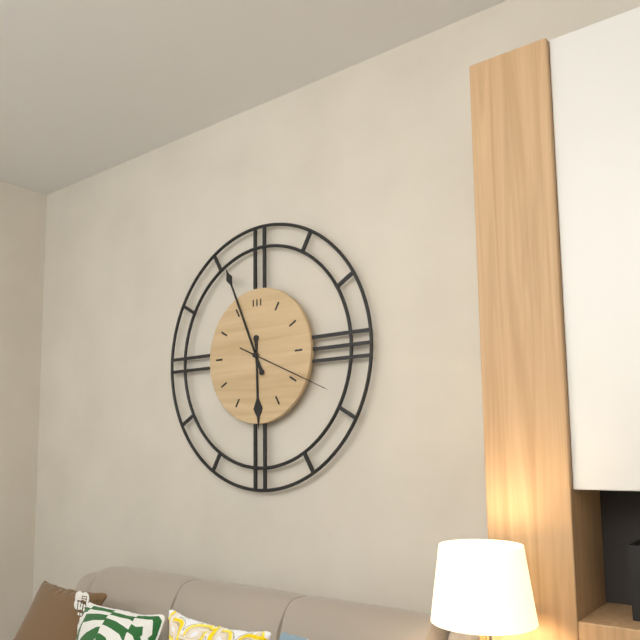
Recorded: h=5 m=56 s=19
